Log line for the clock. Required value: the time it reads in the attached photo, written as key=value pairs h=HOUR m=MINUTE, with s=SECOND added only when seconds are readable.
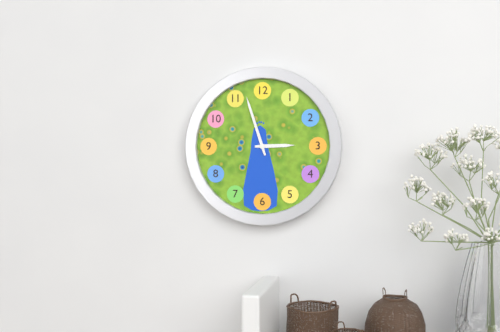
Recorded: h=2 m=57
